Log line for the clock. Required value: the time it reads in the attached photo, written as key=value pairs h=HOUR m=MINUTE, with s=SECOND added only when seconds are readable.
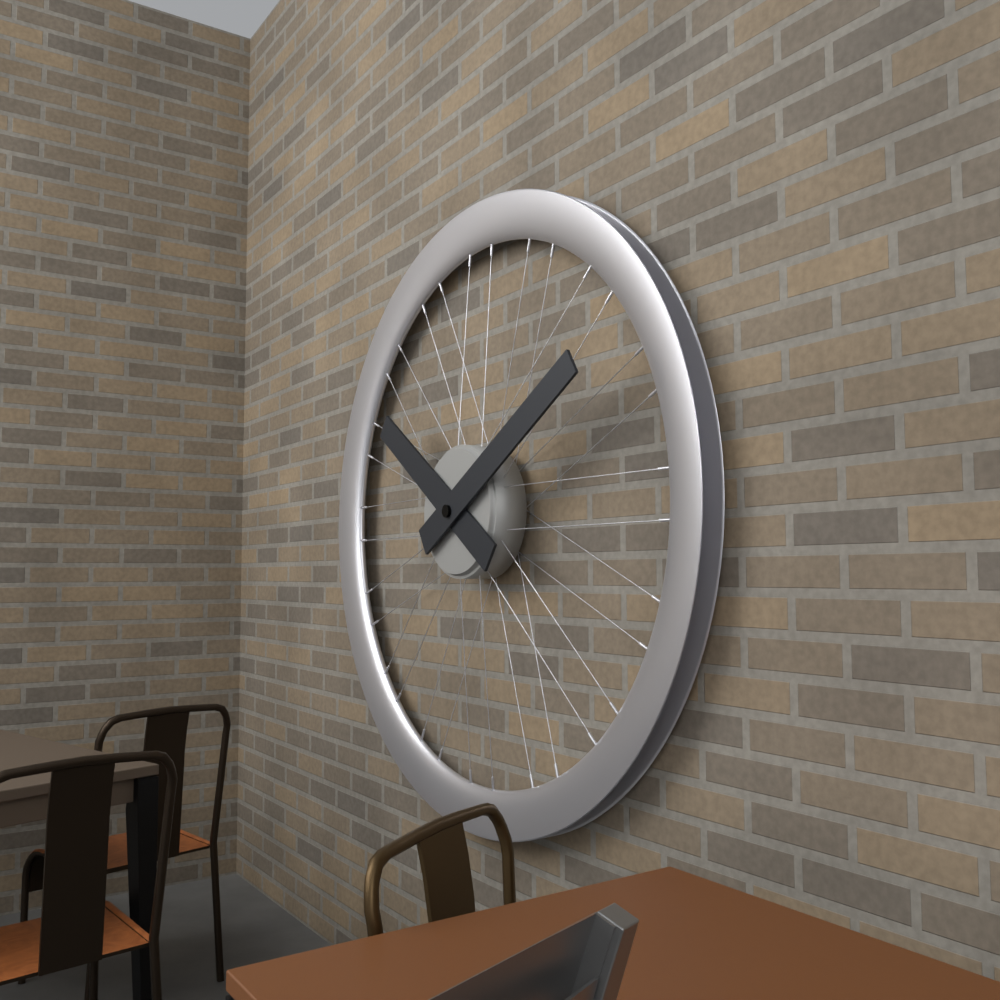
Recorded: h=10 m=10
